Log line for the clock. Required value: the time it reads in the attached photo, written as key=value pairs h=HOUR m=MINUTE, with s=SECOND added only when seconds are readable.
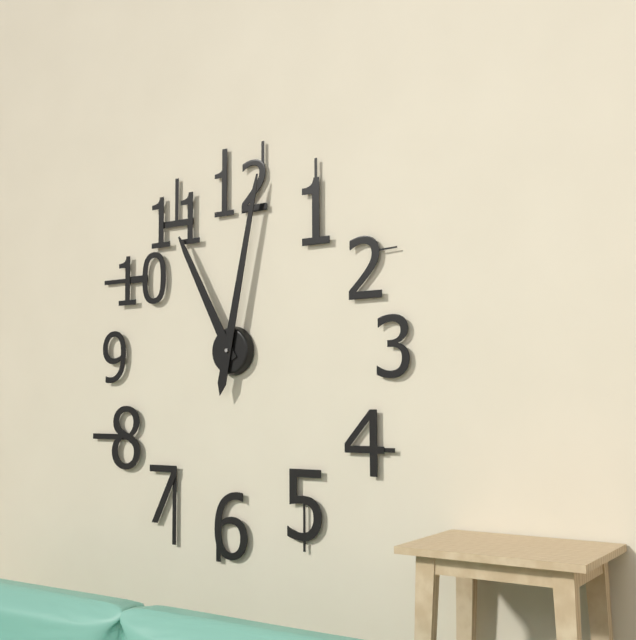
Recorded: h=11 m=2
